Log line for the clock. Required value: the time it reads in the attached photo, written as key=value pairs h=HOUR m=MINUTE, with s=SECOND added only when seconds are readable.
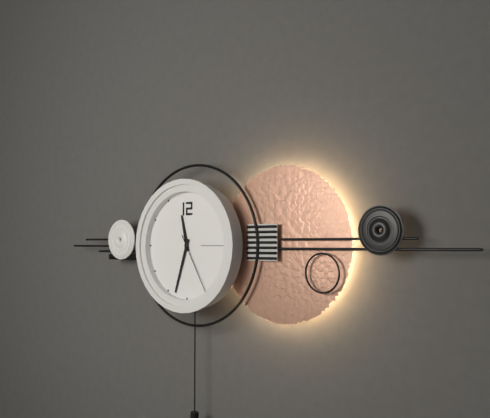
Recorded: h=11 m=33 s=25
